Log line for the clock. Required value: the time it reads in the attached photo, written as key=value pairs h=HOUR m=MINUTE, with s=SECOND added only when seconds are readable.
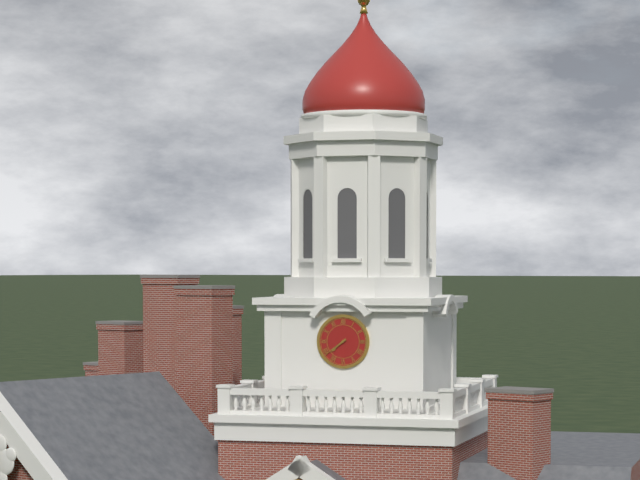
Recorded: h=7 m=39
